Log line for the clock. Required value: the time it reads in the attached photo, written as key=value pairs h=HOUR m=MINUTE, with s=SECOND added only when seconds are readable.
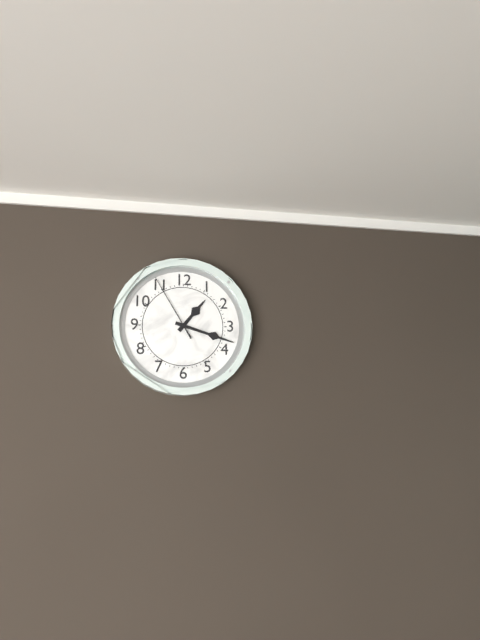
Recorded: h=1 m=18 s=55
